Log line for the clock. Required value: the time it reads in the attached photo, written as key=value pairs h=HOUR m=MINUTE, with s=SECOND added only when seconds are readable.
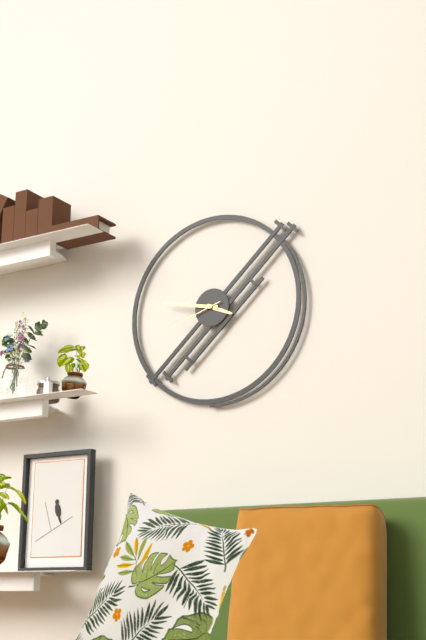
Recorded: h=3 m=47 s=42
